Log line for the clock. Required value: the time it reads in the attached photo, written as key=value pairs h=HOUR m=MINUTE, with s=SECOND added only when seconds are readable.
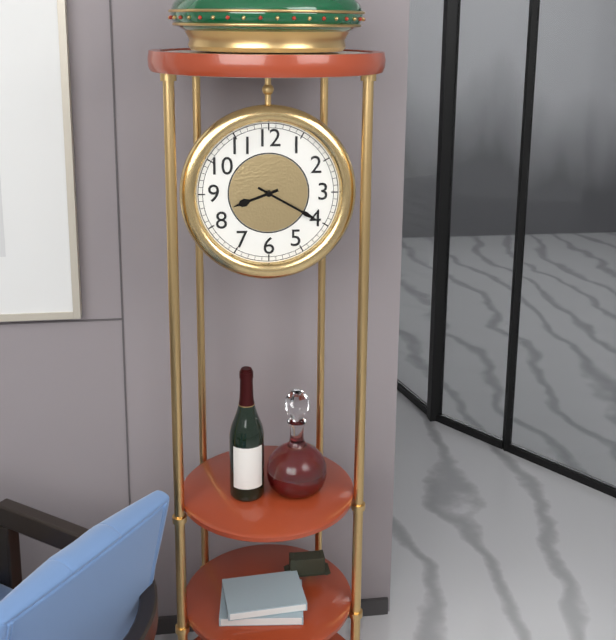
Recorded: h=8 m=20
